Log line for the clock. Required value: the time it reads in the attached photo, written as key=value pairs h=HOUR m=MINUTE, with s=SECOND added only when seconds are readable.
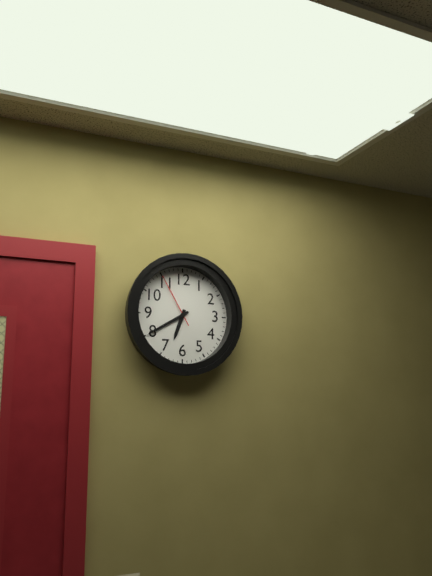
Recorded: h=6 m=40 s=55
